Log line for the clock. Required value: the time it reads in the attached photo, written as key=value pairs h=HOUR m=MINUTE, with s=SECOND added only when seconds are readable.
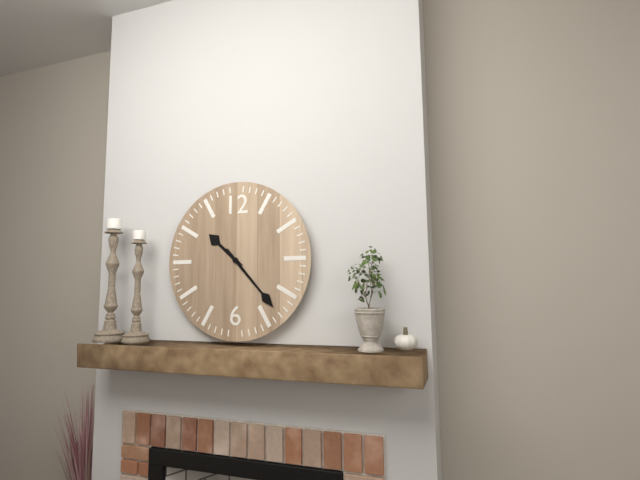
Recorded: h=10 m=23
